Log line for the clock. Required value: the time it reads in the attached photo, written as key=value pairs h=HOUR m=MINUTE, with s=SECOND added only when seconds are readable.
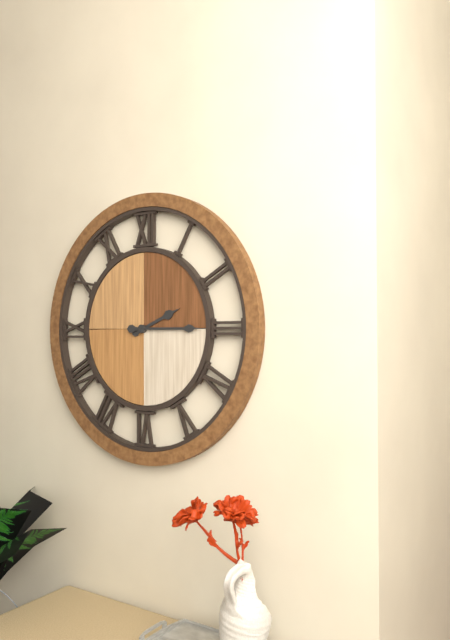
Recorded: h=2 m=15
